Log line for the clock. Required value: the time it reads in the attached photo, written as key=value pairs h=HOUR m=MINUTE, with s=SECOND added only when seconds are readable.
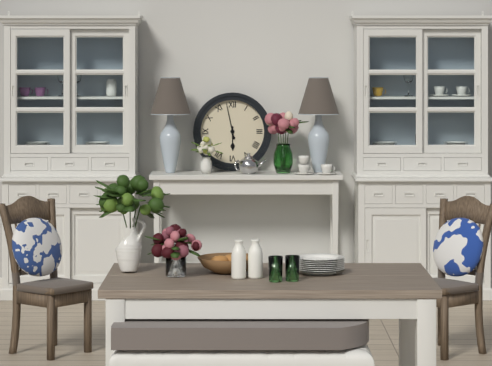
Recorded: h=5 m=58
